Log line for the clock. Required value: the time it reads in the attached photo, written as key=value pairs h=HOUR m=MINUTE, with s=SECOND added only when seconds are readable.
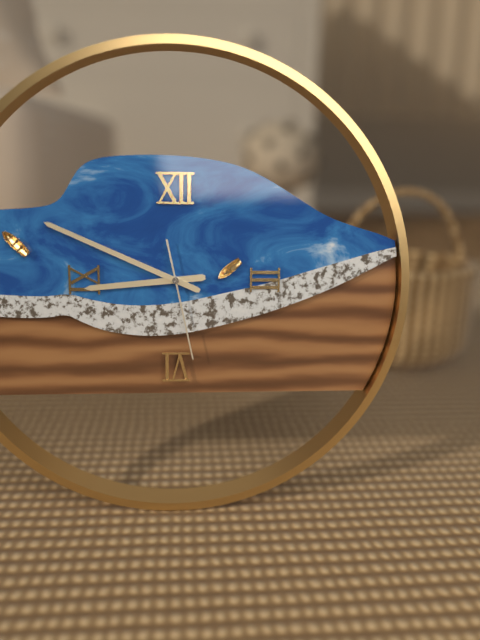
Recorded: h=8 m=49 s=28
